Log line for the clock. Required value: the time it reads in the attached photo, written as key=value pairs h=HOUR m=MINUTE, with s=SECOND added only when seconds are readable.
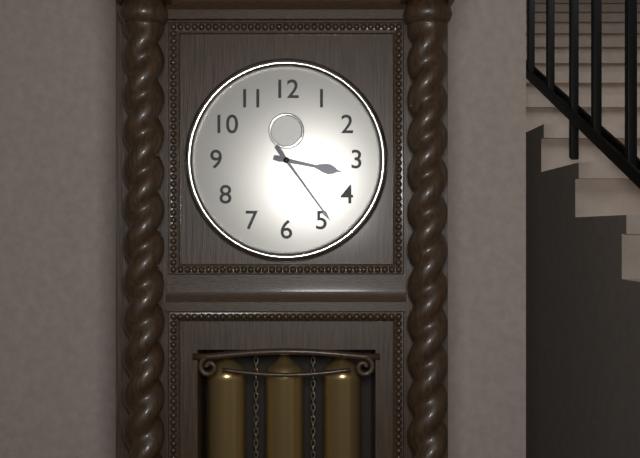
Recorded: h=3 m=24
